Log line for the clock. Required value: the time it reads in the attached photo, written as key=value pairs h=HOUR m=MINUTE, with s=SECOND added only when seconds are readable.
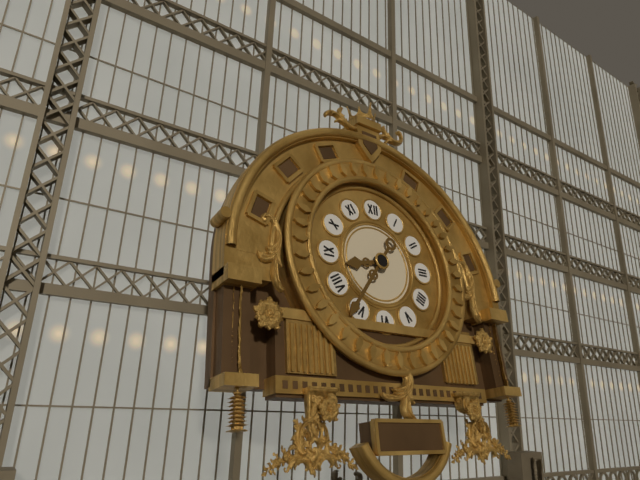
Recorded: h=8 m=36
